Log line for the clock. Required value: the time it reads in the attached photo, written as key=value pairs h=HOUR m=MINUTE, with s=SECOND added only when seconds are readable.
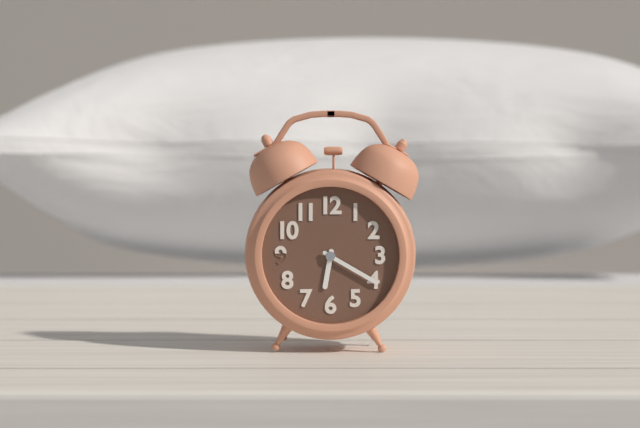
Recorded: h=6 m=20
